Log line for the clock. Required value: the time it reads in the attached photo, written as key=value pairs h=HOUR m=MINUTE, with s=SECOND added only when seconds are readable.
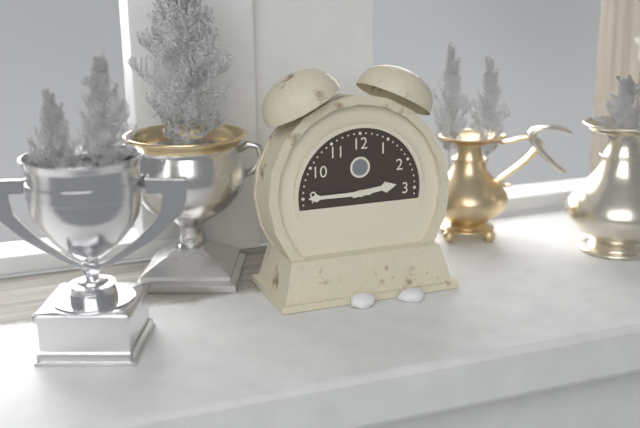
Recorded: h=2 m=45
